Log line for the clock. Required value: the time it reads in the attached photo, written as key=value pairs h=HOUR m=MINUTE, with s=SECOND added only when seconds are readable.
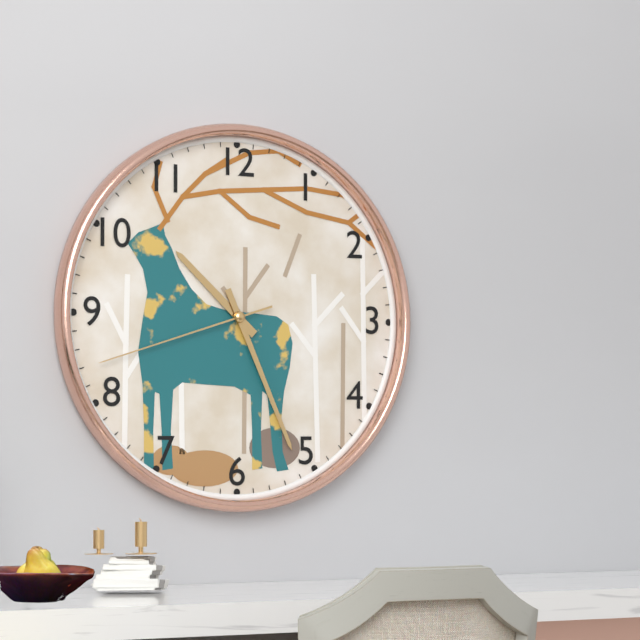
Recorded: h=10 m=26 s=42
